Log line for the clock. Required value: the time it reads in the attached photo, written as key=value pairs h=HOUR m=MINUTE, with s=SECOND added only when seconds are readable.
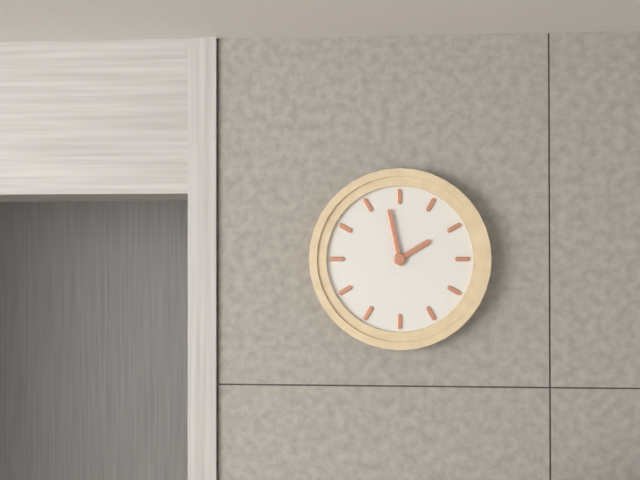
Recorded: h=1 m=58
